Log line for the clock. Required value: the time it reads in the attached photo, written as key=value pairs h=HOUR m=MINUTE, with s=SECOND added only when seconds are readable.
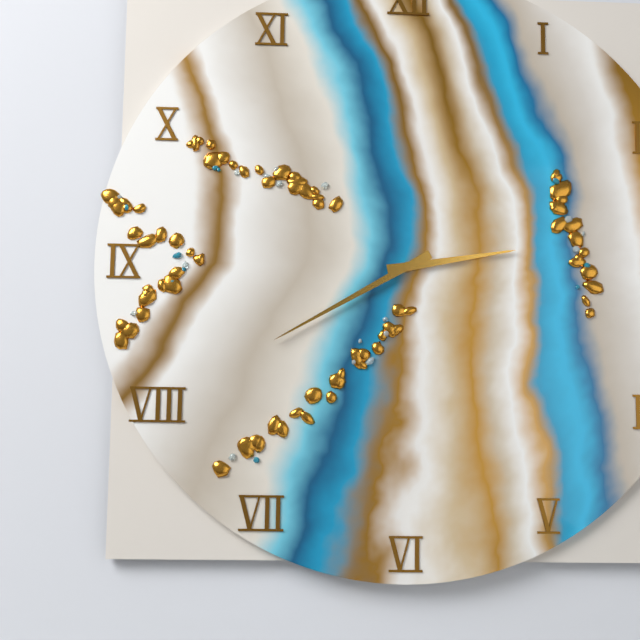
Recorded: h=2 m=40
